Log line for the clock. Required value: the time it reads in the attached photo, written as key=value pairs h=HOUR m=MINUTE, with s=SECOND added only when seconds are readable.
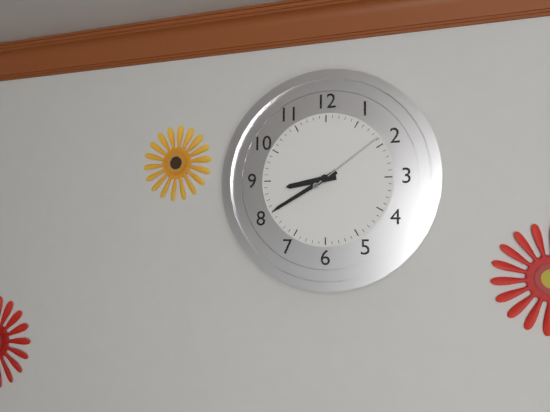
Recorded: h=8 m=40 s=9
